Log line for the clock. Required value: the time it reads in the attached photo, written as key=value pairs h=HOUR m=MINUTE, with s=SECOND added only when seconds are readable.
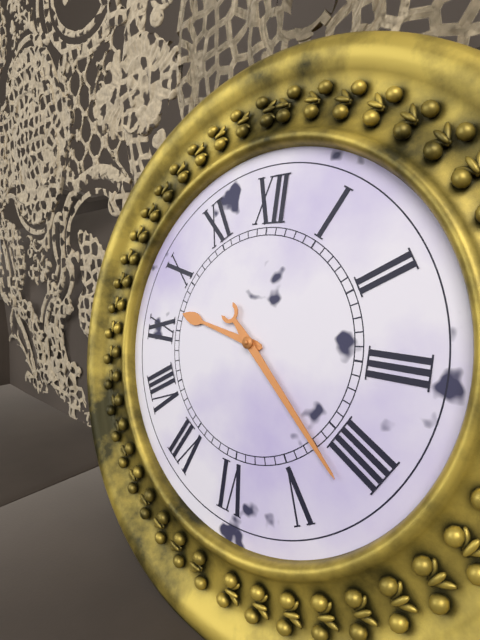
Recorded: h=9 m=22
